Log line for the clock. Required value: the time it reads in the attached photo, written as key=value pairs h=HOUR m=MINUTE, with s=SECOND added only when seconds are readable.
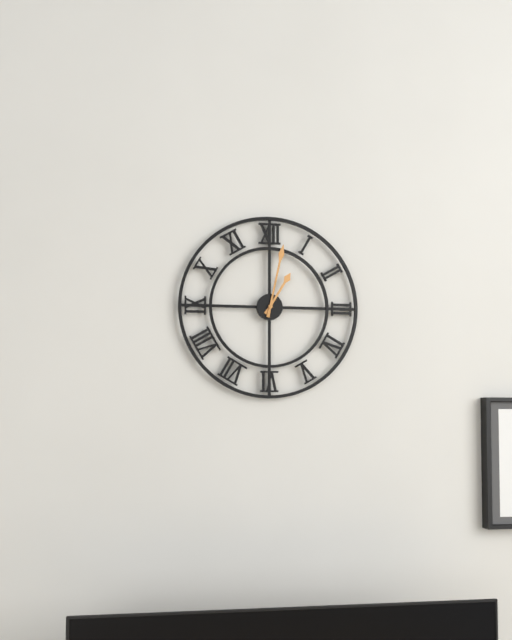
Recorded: h=1 m=2
